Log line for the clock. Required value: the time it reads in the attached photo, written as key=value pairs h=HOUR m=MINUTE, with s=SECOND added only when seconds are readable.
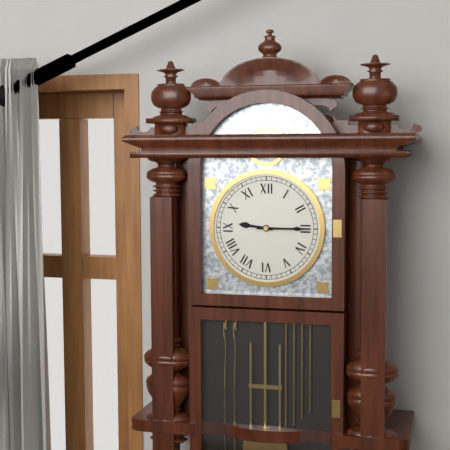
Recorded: h=9 m=15
